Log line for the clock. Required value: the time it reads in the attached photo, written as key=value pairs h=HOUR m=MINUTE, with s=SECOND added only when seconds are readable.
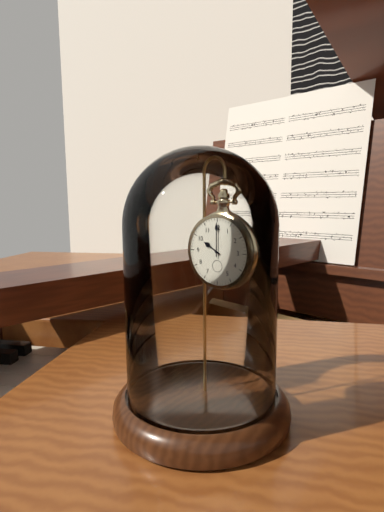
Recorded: h=10 m=0
